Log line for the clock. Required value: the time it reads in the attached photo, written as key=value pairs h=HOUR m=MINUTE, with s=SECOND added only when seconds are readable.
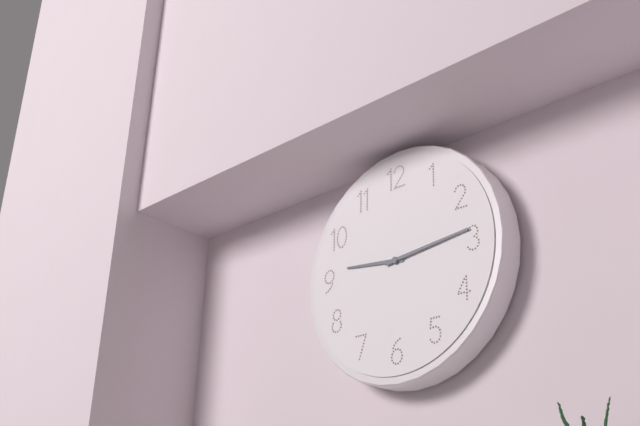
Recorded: h=9 m=14
